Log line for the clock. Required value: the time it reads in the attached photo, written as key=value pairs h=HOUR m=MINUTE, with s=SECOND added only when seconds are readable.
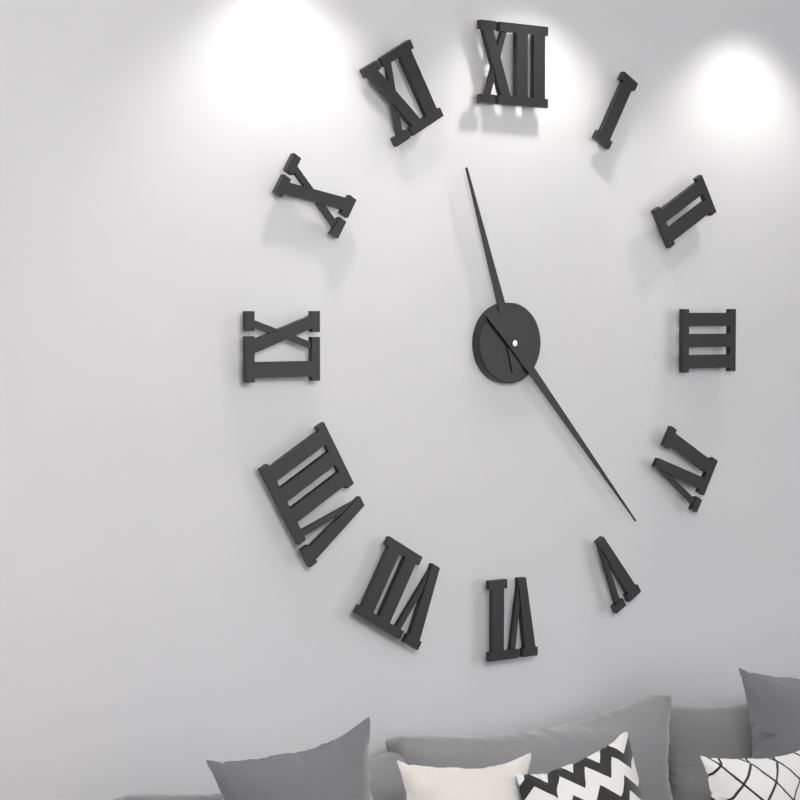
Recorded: h=11 m=23
